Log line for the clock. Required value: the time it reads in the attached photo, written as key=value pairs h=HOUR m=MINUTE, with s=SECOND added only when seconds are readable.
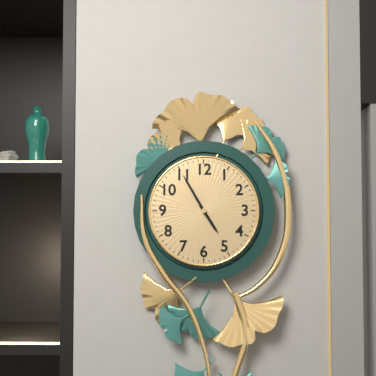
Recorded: h=4 m=55
